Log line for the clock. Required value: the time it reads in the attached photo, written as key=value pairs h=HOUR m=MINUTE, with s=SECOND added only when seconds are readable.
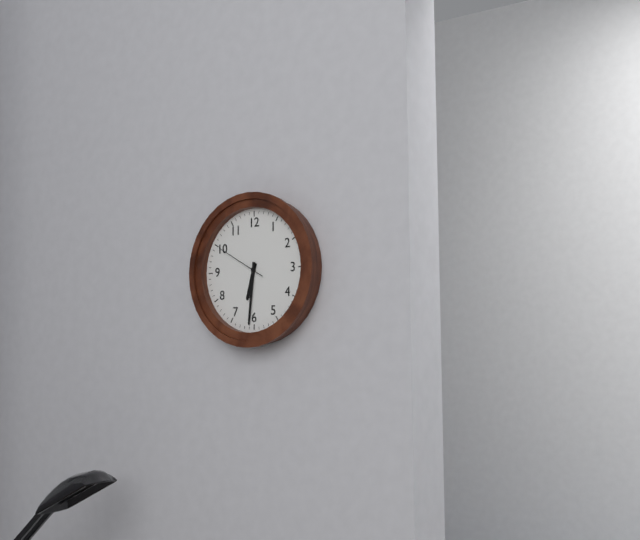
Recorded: h=6 m=31 s=50
